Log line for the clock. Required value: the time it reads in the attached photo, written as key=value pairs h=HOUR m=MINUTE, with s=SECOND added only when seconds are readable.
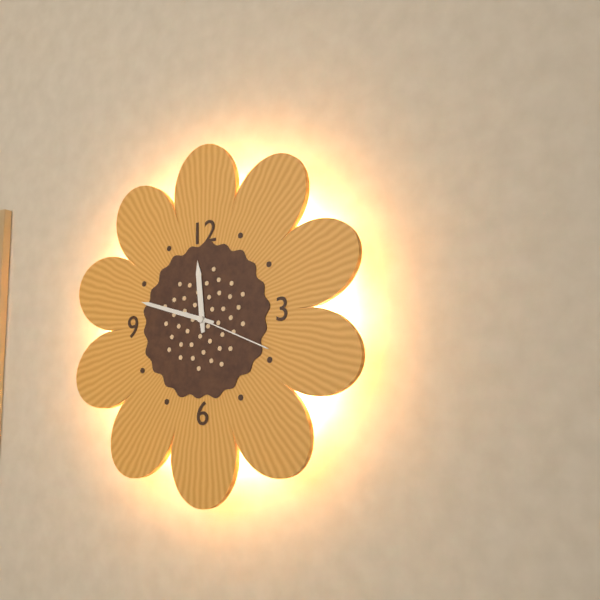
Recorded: h=11 m=48 s=19
